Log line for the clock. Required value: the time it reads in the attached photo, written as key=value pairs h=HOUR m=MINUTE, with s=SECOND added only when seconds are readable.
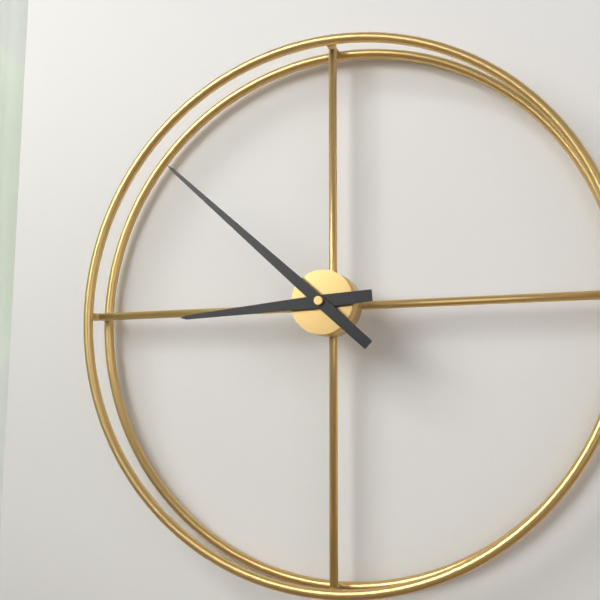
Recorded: h=8 m=52
